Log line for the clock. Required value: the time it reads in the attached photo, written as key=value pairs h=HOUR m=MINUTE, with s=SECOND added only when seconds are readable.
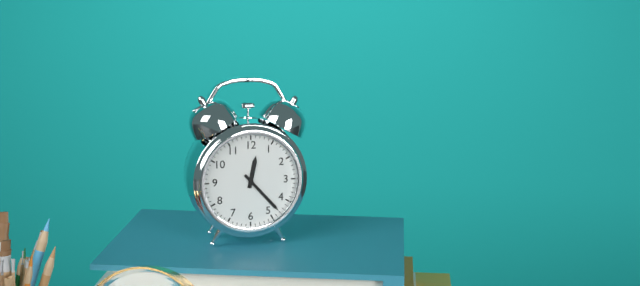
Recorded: h=12 m=23
